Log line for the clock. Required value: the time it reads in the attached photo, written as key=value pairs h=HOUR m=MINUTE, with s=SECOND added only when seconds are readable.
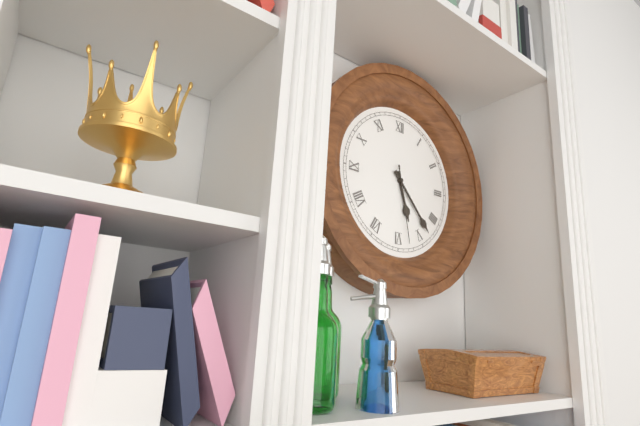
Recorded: h=5 m=23 s=28
